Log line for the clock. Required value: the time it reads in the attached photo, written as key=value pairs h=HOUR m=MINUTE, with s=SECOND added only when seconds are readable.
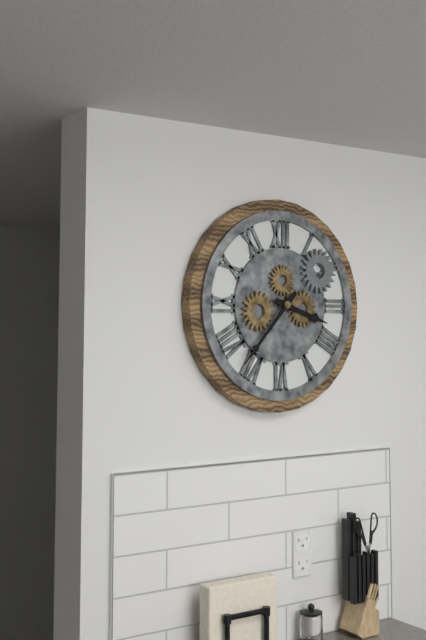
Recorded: h=3 m=37
